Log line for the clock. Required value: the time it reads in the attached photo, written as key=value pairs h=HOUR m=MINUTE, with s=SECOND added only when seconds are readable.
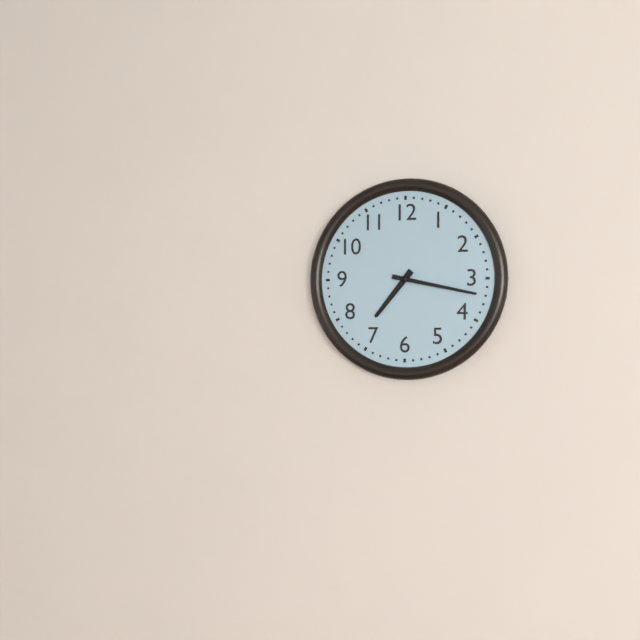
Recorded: h=7 m=17
